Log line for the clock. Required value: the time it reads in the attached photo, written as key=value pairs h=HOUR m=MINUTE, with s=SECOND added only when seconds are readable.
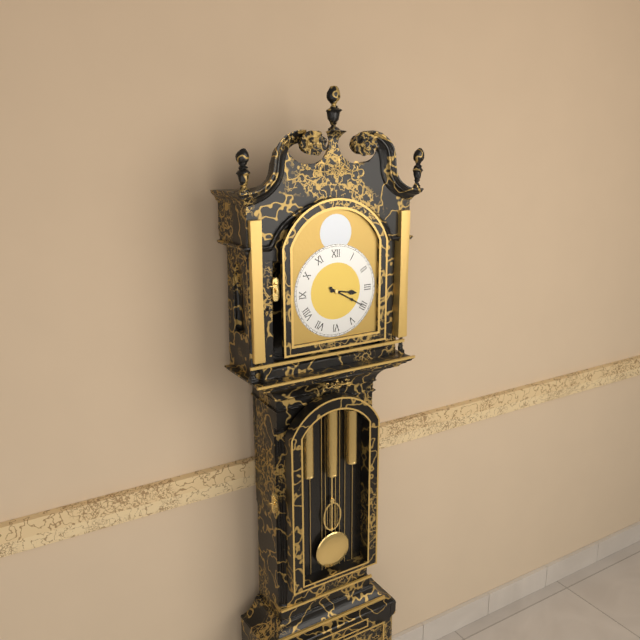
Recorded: h=3 m=20
